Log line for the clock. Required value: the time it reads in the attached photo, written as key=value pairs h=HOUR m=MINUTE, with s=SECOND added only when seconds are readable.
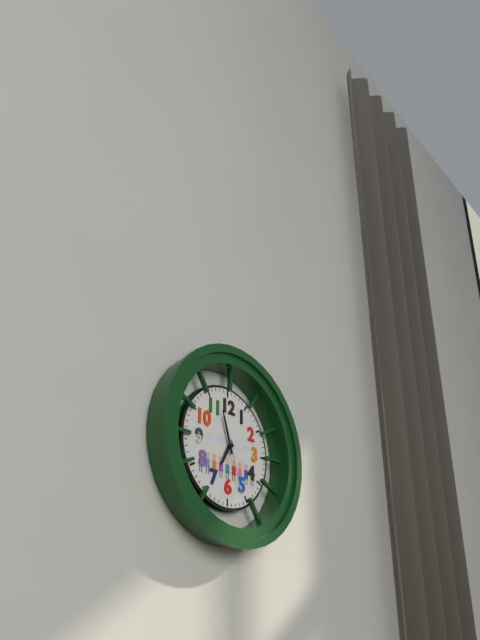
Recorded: h=6 m=57 s=27
